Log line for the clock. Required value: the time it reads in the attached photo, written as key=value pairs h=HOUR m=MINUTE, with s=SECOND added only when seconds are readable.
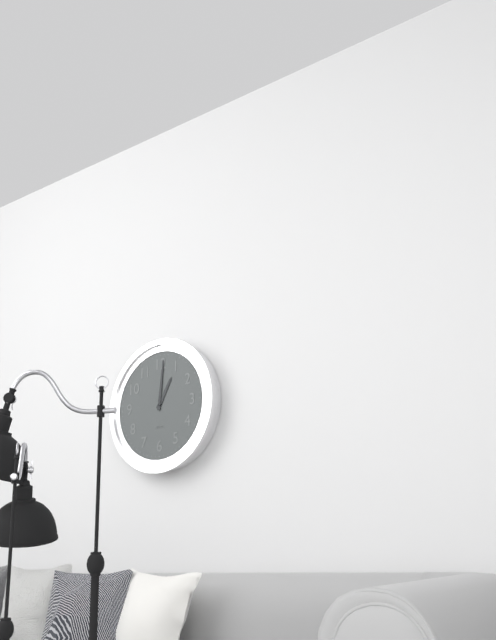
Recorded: h=1 m=1
